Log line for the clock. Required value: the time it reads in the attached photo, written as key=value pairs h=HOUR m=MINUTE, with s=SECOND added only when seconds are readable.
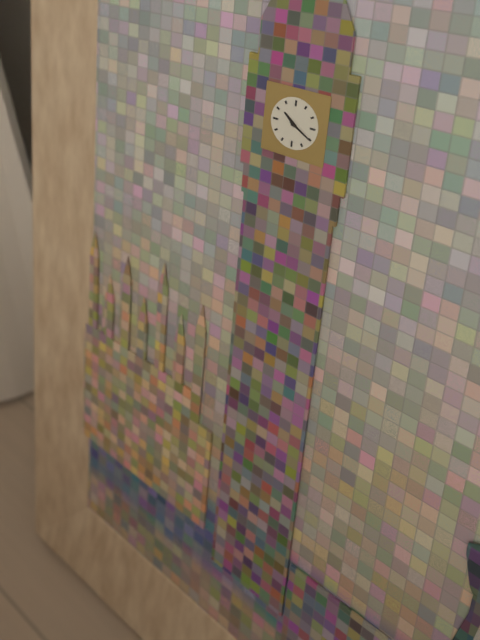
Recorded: h=10 m=20
